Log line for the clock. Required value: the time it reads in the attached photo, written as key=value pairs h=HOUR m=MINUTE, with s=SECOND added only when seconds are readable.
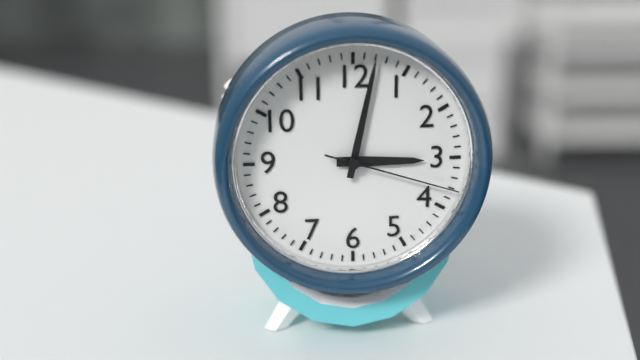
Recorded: h=3 m=2 s=18
